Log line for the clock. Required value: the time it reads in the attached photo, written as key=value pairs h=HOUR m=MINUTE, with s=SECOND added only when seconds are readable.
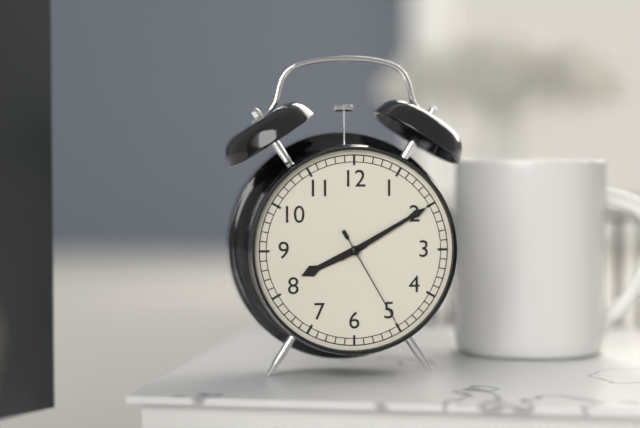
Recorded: h=8 m=10 s=25
